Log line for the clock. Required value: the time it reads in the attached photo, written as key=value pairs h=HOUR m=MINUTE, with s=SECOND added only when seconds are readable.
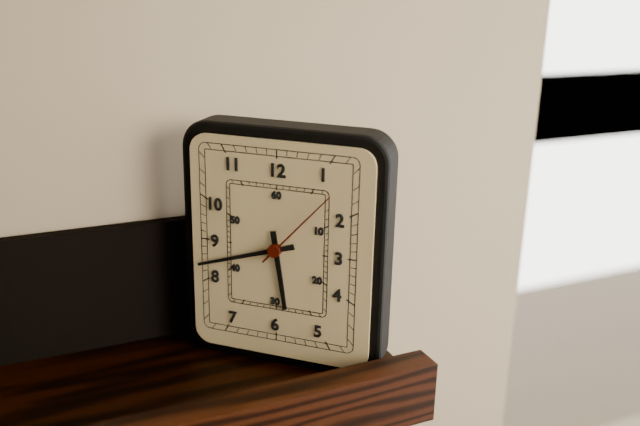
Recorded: h=5 m=42 s=7
